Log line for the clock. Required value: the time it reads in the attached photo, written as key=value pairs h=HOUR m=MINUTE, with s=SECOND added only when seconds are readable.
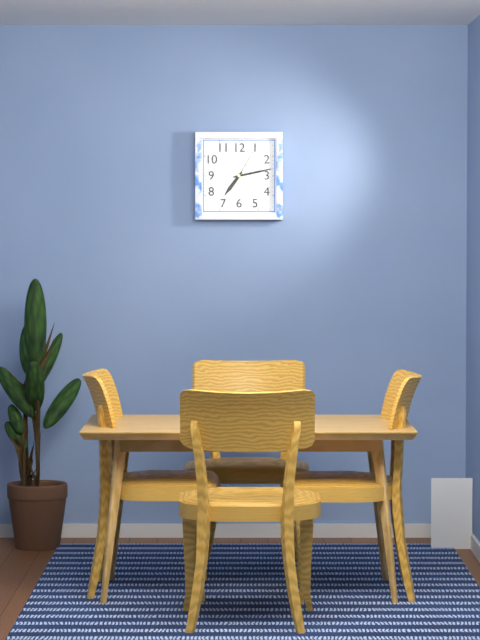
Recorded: h=7 m=13
